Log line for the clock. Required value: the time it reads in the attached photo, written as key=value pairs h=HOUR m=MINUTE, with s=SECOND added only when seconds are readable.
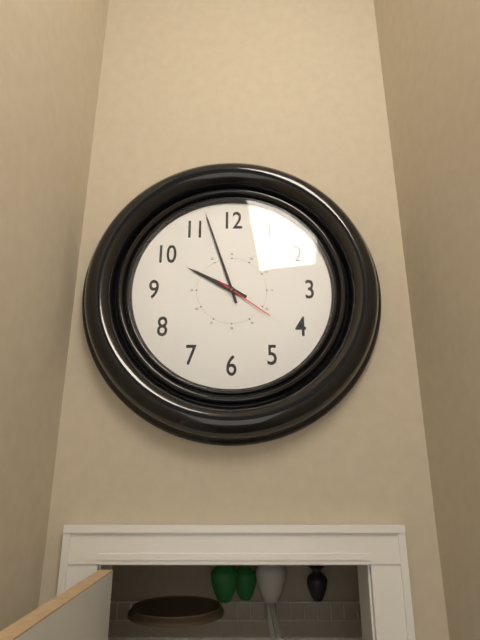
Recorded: h=9 m=57 s=21
